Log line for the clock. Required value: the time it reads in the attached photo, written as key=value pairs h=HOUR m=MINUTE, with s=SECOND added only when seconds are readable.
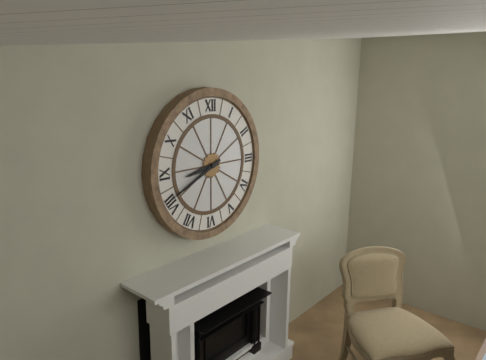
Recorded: h=8 m=41
